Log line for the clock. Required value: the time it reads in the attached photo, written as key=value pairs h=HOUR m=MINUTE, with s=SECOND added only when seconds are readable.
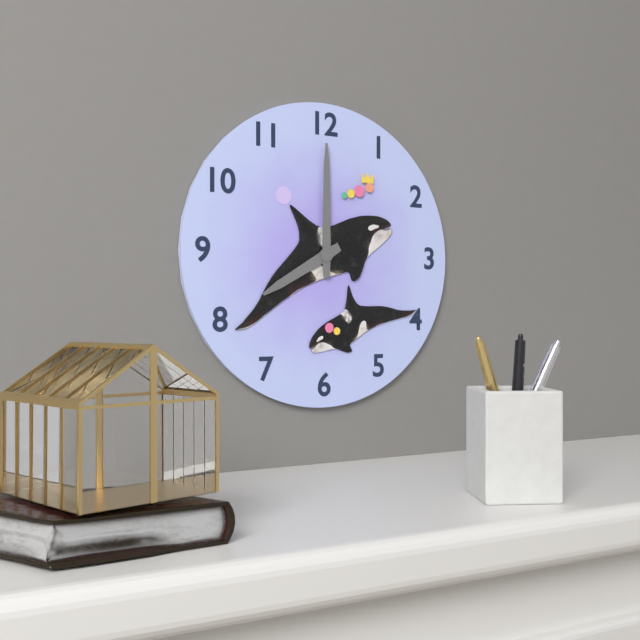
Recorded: h=8 m=0
